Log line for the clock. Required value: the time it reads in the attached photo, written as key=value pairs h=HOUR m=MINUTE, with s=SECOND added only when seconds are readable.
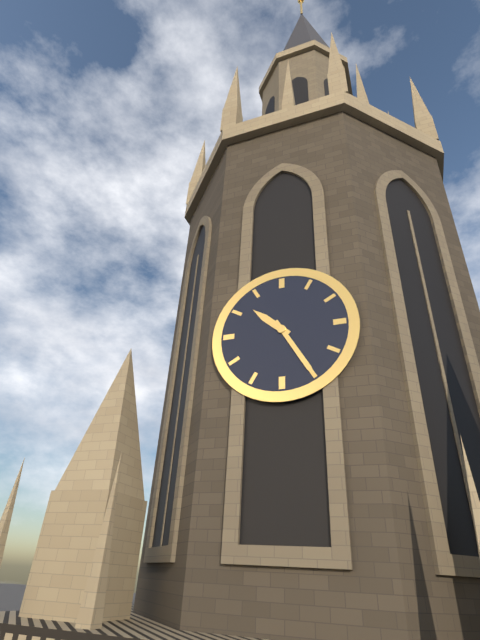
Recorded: h=10 m=25
